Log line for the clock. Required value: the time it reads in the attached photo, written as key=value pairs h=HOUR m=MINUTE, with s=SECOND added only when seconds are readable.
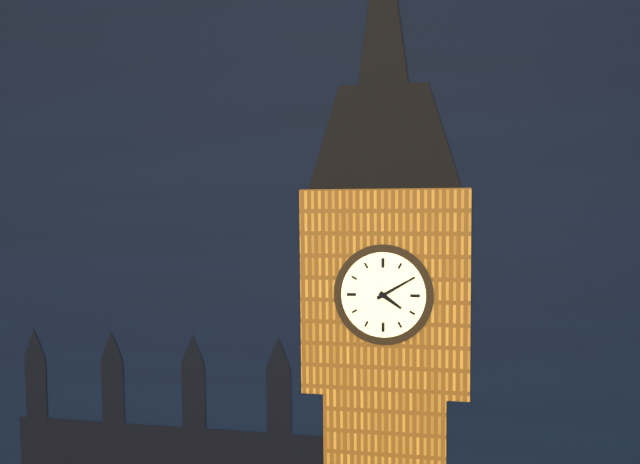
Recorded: h=4 m=10
